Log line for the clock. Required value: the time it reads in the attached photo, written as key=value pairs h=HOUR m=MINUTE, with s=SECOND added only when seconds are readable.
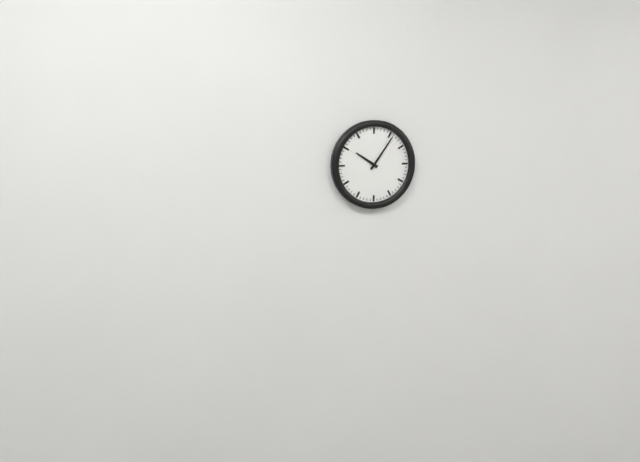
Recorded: h=10 m=6
